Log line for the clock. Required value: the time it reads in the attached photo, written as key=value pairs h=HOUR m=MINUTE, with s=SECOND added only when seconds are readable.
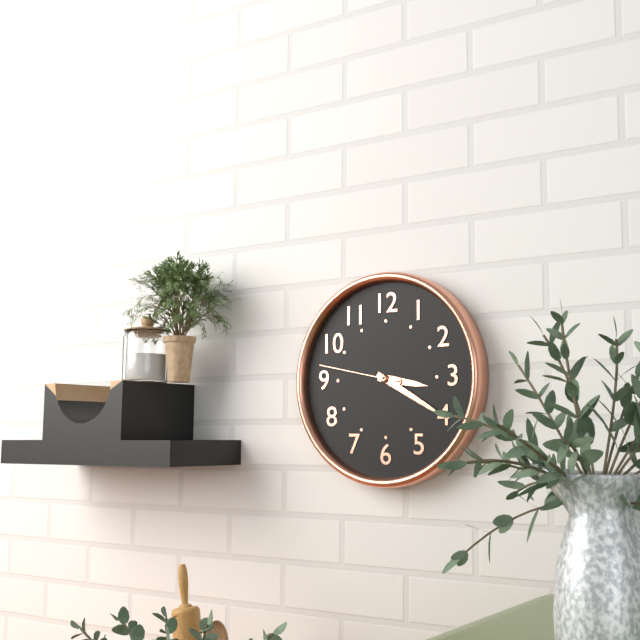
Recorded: h=3 m=20 s=47
